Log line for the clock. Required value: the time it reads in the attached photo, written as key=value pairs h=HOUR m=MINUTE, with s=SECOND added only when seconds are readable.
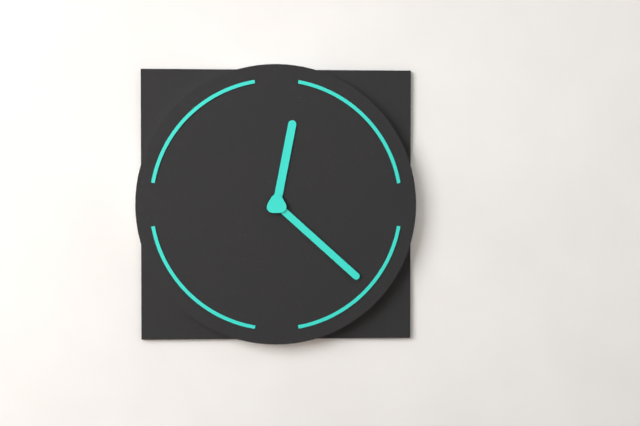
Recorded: h=12 m=22
